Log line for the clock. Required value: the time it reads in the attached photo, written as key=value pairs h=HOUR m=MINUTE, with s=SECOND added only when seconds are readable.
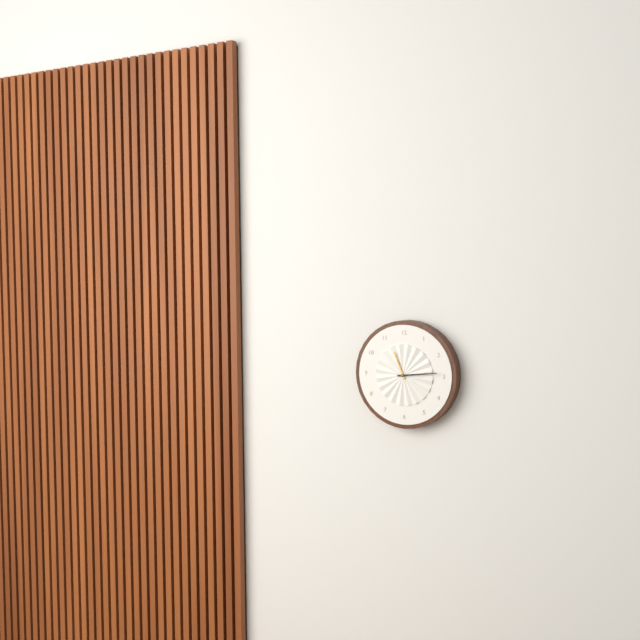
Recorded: h=11 m=14
